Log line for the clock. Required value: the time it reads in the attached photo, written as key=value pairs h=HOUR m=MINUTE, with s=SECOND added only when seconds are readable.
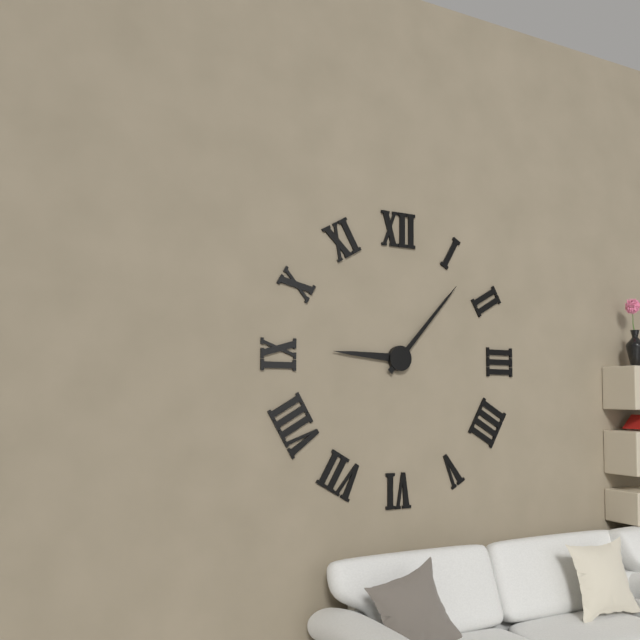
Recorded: h=9 m=7
